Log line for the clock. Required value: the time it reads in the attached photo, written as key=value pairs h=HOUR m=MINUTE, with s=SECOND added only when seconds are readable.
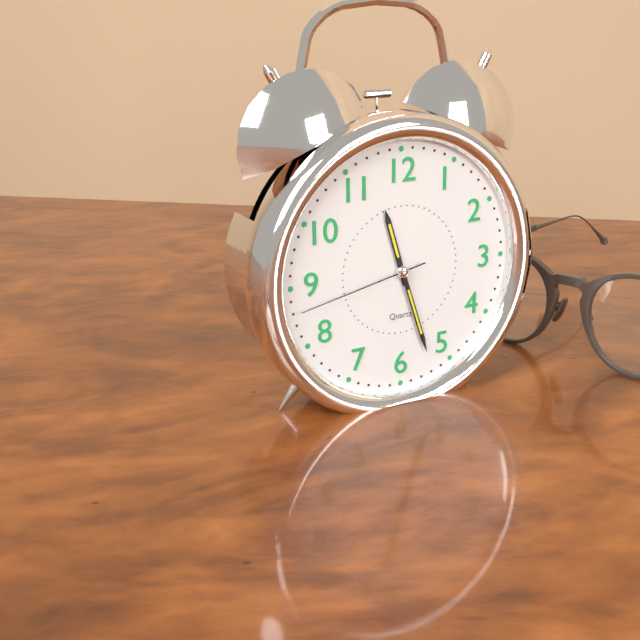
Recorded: h=11 m=27 s=43
